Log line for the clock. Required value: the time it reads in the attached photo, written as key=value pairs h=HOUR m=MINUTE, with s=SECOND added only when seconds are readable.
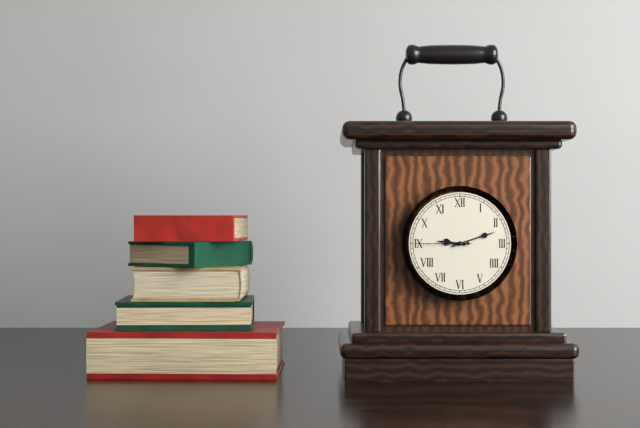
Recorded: h=9 m=12 s=45
